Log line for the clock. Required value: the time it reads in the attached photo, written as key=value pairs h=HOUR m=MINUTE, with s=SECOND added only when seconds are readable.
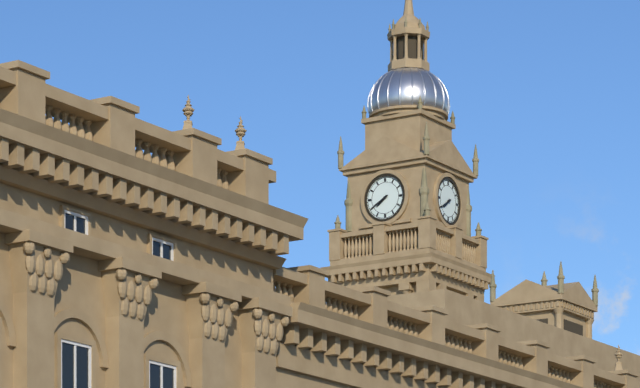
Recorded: h=7 m=40
